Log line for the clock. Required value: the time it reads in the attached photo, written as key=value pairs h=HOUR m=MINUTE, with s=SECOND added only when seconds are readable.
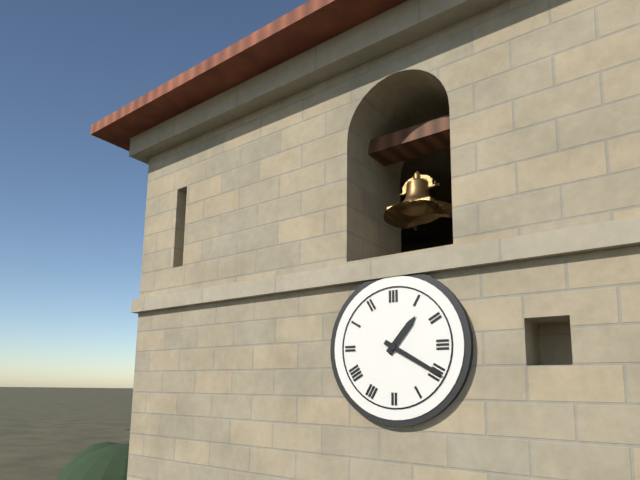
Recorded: h=1 m=20
